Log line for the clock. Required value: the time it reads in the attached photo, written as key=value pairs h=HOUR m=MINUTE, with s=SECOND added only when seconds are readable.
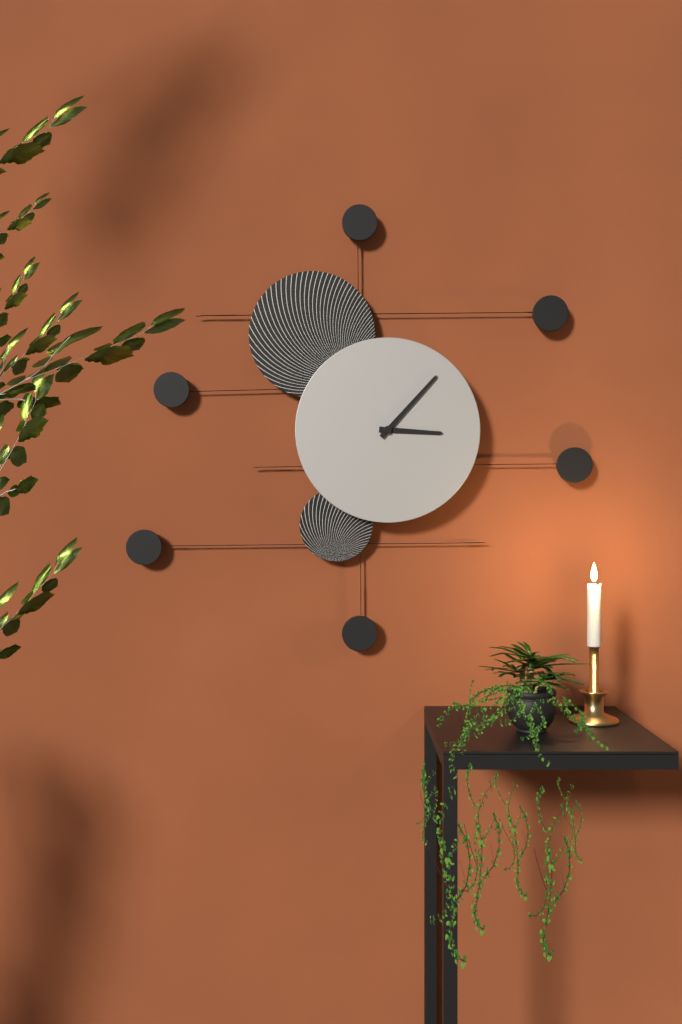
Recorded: h=3 m=7
